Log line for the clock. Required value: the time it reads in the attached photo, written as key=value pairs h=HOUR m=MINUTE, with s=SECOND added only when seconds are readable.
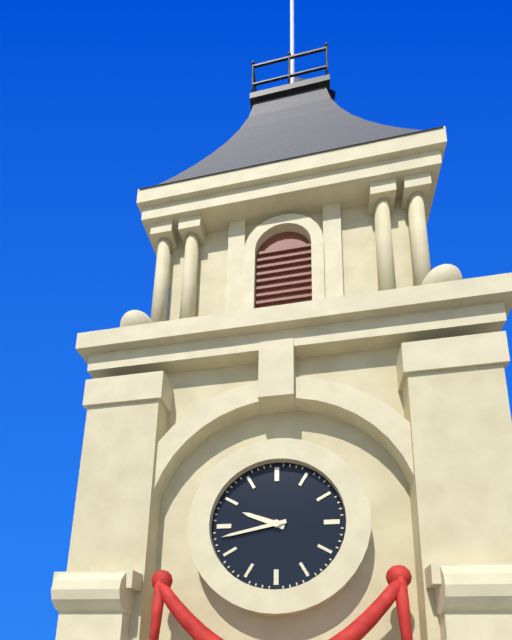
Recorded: h=9 m=43
